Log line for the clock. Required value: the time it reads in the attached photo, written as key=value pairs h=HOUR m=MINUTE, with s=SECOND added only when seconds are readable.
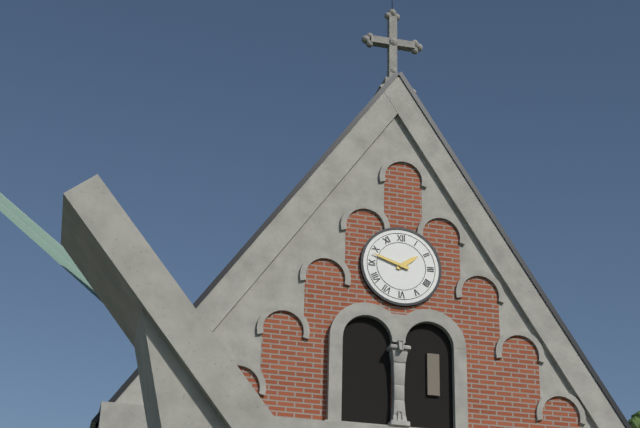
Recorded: h=1 m=48
